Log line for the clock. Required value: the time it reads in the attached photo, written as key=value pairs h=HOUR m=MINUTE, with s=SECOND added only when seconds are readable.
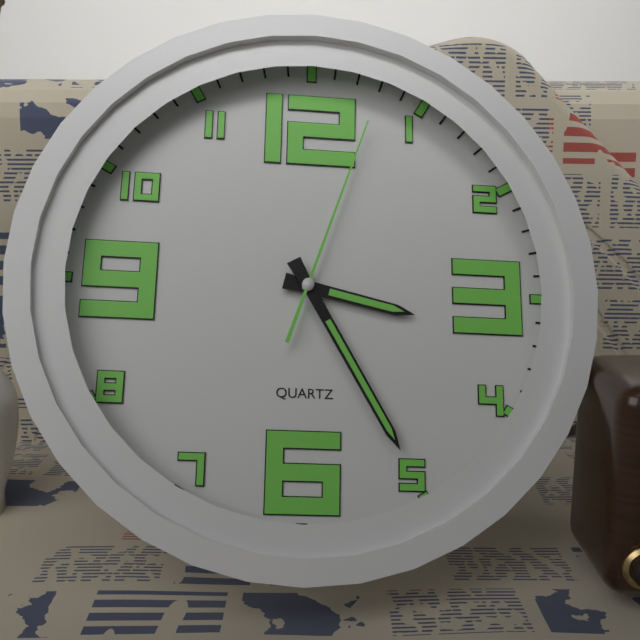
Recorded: h=3 m=25 s=3
